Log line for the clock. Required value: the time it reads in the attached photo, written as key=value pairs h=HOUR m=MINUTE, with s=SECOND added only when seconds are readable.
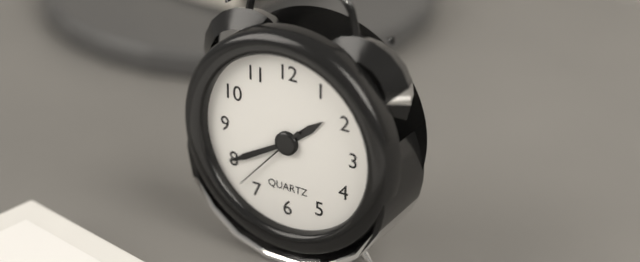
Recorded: h=1 m=40 s=37
